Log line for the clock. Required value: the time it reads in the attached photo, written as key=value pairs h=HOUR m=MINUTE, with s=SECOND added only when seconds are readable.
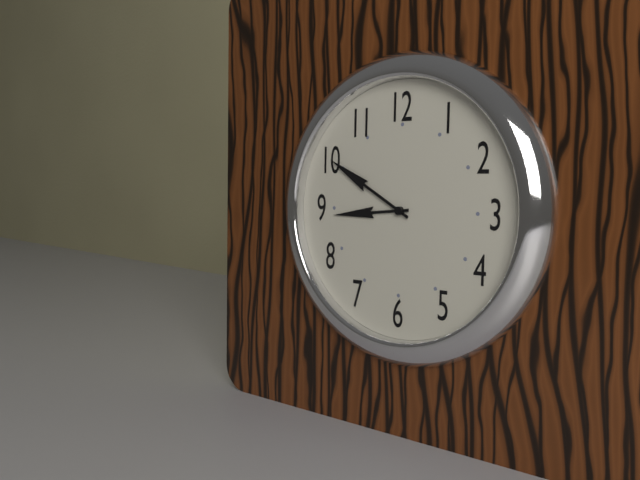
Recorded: h=8 m=50
